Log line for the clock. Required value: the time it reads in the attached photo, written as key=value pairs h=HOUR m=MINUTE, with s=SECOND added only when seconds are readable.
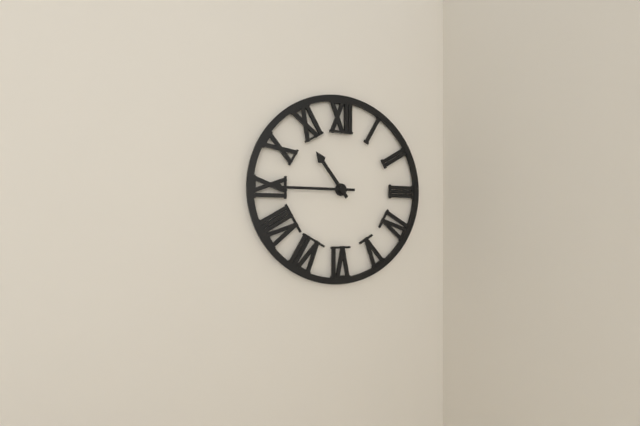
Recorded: h=10 m=45
